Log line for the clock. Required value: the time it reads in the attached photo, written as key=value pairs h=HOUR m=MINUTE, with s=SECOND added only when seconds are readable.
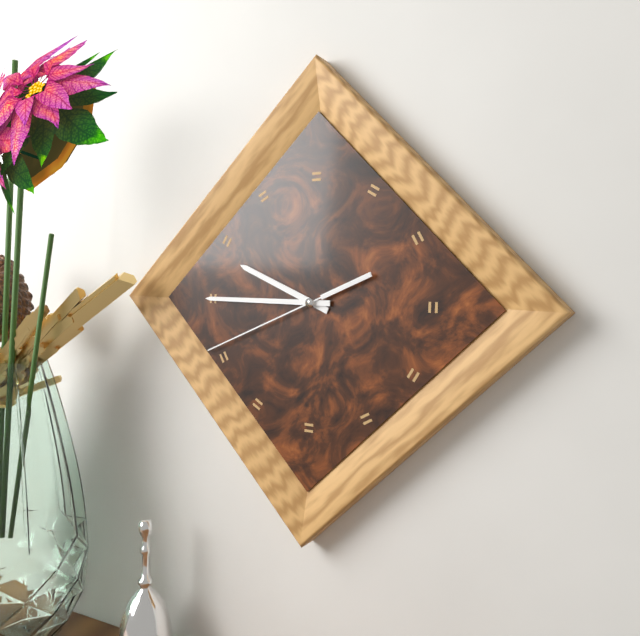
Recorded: h=9 m=45 s=41
